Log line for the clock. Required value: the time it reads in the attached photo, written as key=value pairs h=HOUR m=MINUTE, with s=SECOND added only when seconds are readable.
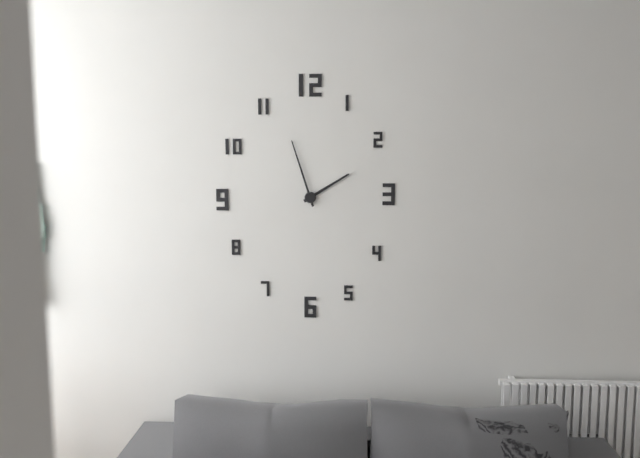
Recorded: h=1 m=57
